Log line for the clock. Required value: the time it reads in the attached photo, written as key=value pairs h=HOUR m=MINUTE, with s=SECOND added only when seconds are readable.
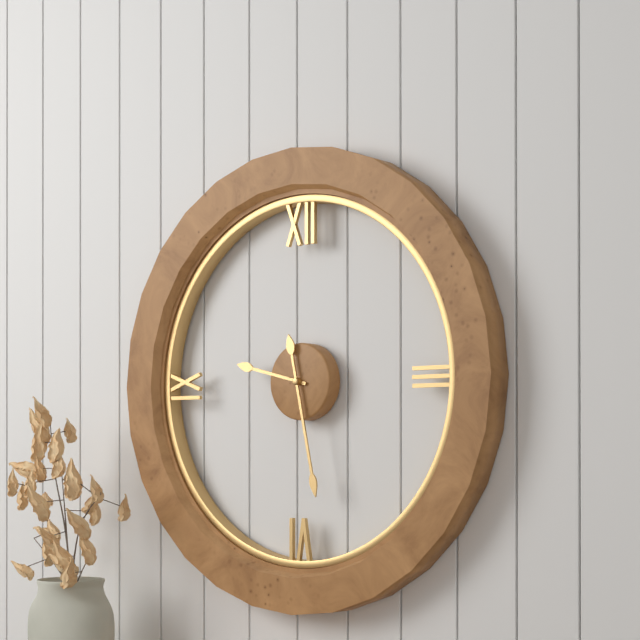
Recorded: h=9 m=28
